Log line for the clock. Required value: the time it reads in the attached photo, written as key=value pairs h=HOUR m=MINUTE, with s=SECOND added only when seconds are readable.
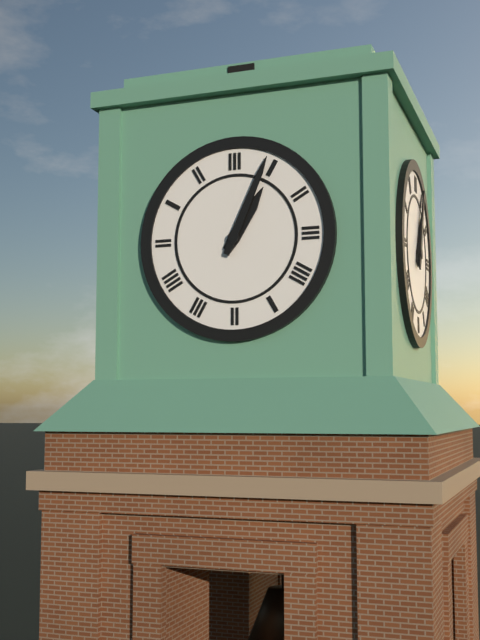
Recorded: h=1 m=4
